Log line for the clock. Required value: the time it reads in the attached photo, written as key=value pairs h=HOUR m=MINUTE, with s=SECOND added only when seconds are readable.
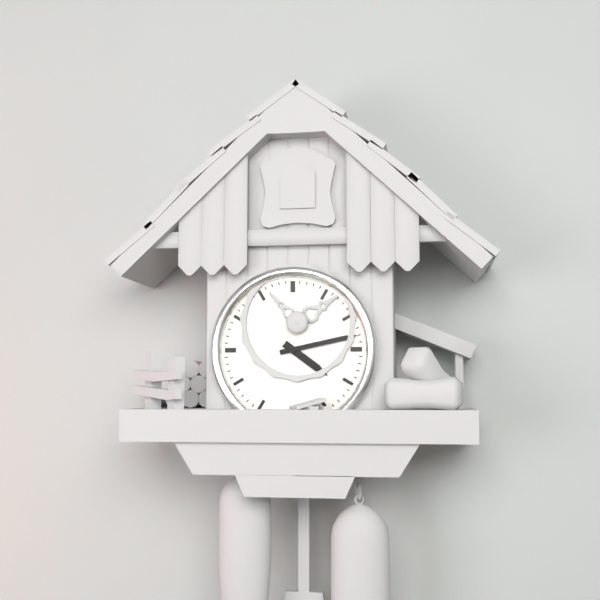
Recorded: h=4 m=13
